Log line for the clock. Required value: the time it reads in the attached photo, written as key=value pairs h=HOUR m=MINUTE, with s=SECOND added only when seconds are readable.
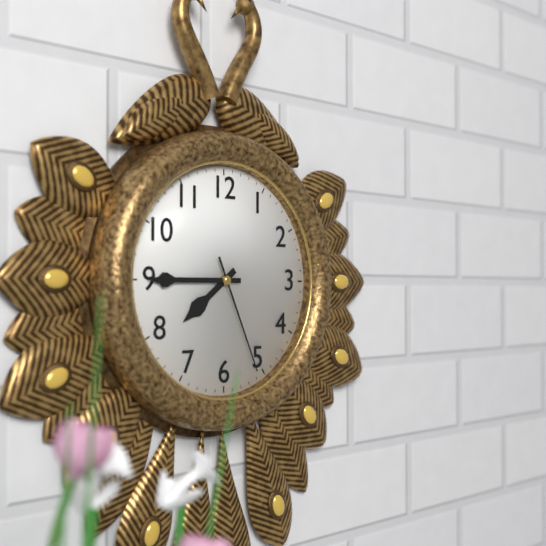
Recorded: h=7 m=45 s=26
